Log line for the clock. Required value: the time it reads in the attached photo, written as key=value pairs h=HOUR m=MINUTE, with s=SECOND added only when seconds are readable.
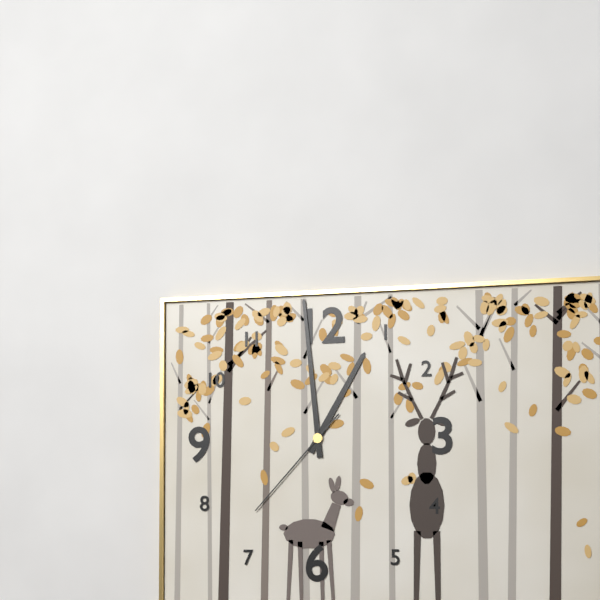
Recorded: h=12 m=59 s=37
